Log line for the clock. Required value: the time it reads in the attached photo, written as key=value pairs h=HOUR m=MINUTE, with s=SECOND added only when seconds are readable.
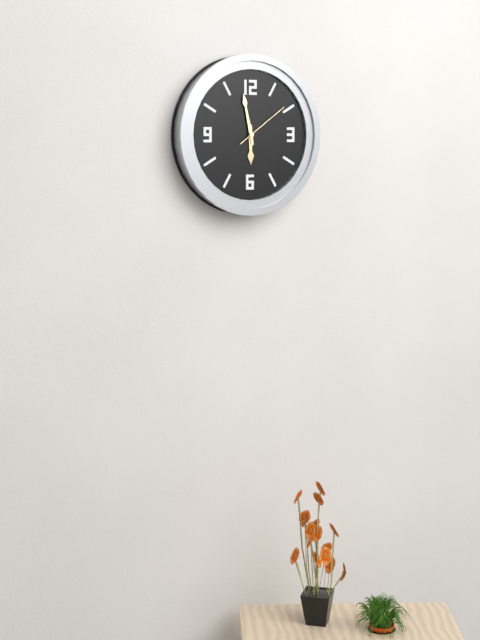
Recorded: h=5 m=58 s=9
